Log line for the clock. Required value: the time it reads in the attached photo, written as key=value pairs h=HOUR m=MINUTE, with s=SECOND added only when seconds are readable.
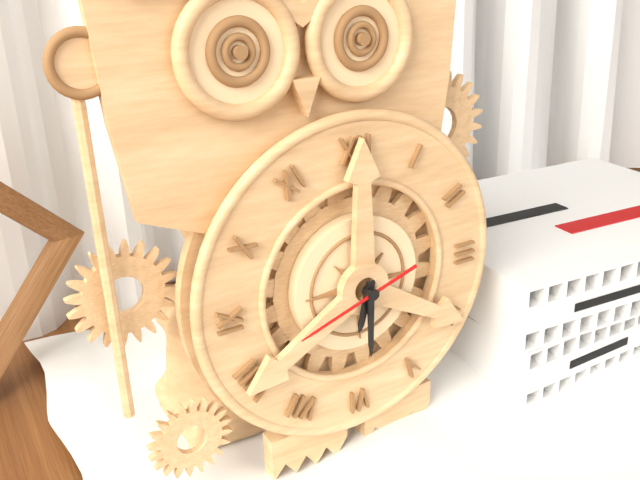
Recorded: h=6 m=30 s=42
